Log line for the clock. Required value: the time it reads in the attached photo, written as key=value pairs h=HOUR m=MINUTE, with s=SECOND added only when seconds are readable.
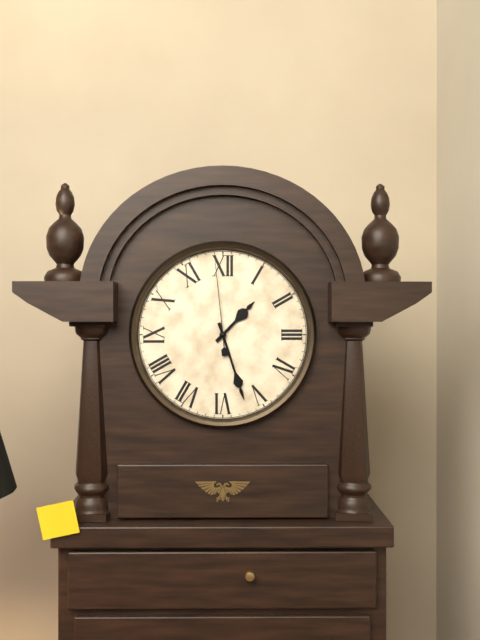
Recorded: h=1 m=27 s=59
